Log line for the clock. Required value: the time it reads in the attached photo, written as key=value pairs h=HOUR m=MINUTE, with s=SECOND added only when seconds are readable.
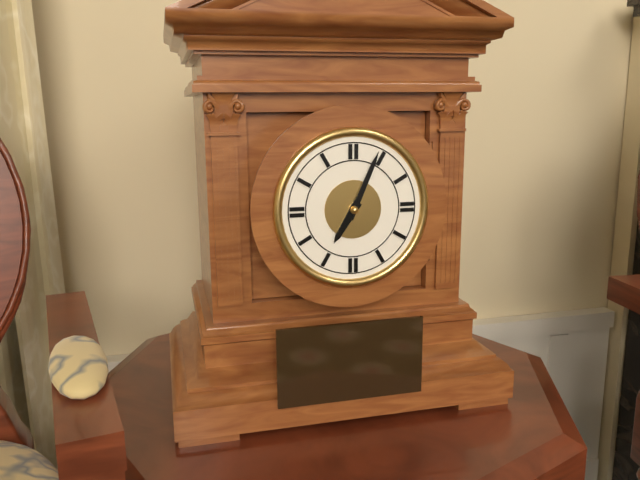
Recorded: h=7 m=4
